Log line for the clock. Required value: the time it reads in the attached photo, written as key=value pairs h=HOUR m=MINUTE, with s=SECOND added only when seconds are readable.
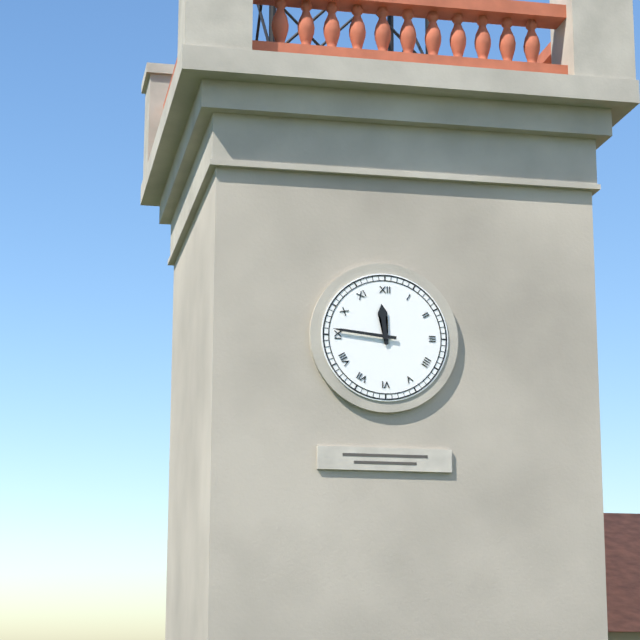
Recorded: h=11 m=46
